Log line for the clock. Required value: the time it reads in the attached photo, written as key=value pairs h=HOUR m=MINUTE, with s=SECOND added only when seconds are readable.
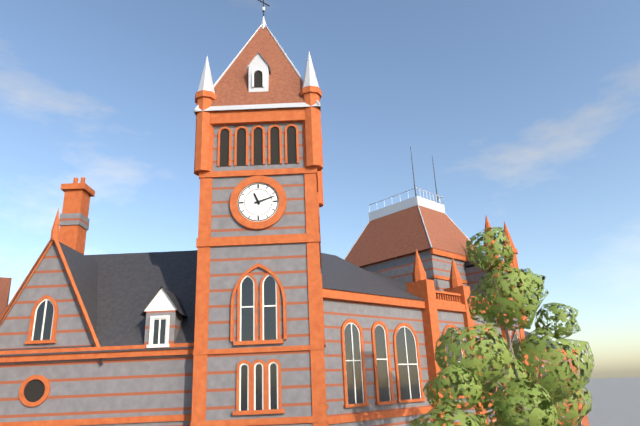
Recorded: h=11 m=12
